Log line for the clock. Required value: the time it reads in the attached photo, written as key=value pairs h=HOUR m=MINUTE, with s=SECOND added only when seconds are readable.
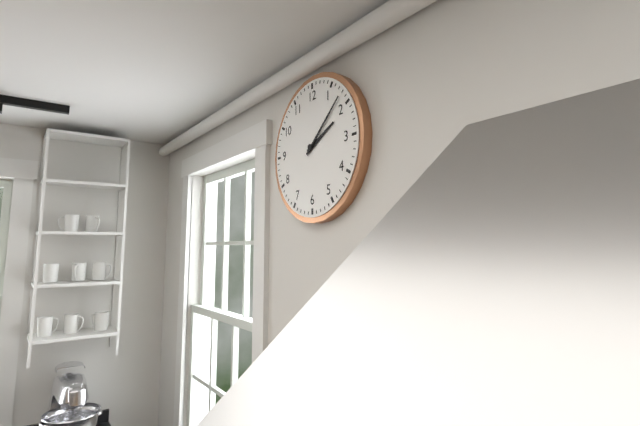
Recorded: h=2 m=8
